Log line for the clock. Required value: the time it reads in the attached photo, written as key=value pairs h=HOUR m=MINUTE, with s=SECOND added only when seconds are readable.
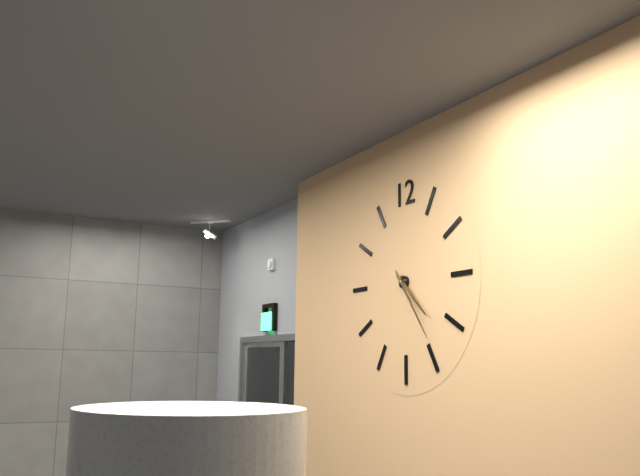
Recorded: h=4 m=24
